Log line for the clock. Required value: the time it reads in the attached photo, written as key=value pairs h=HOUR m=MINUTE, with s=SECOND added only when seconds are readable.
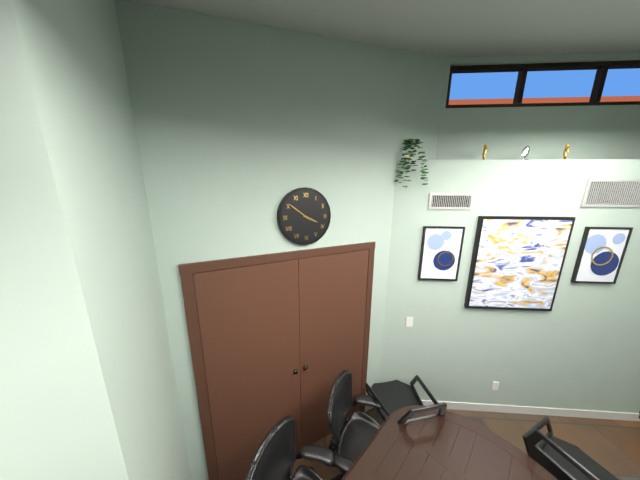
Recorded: h=3 m=51
